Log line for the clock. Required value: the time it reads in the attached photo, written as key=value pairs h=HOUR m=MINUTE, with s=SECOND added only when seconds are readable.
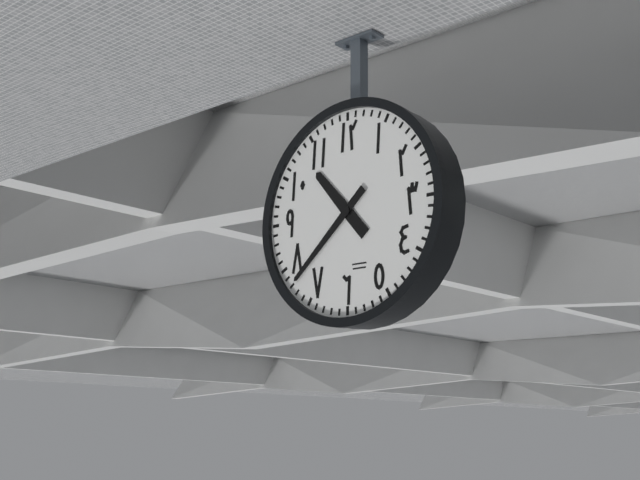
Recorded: h=10 m=38
